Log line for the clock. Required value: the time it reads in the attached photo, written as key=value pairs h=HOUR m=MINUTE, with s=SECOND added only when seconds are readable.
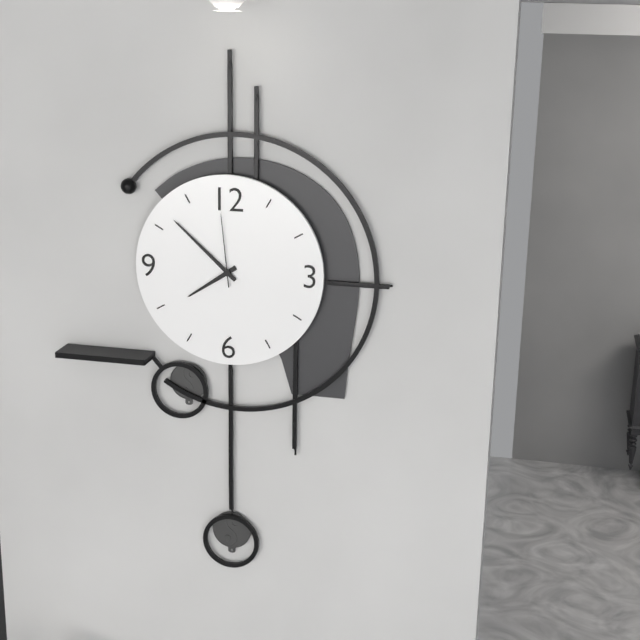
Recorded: h=7 m=52 s=59
